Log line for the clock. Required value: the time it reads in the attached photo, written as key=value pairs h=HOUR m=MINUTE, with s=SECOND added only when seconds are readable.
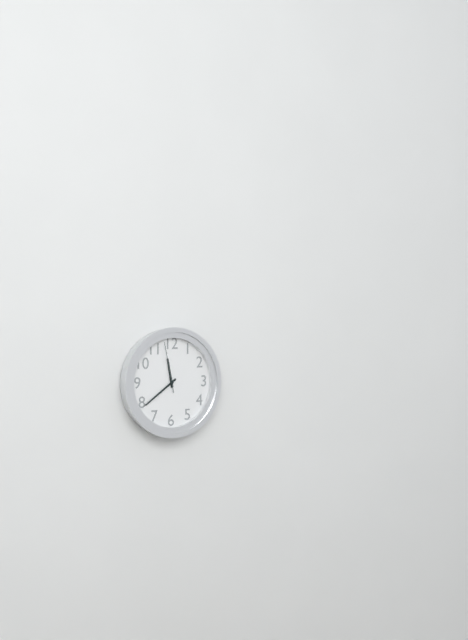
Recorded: h=11 m=39 s=58
